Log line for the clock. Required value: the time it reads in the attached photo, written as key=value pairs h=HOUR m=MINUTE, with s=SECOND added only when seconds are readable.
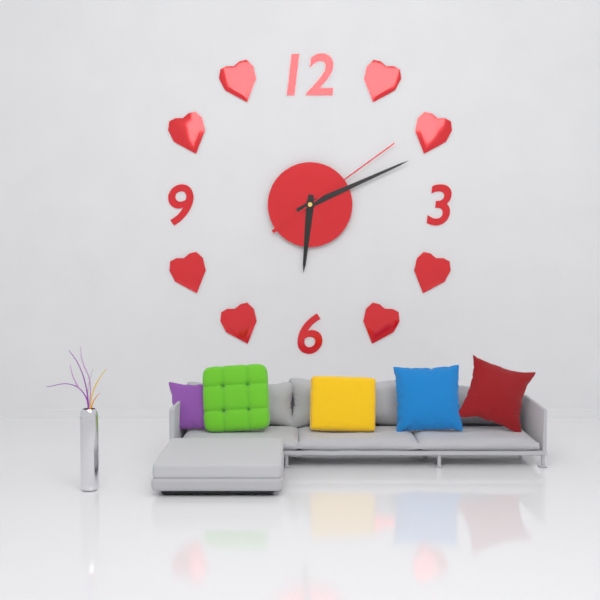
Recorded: h=6 m=11 s=9
